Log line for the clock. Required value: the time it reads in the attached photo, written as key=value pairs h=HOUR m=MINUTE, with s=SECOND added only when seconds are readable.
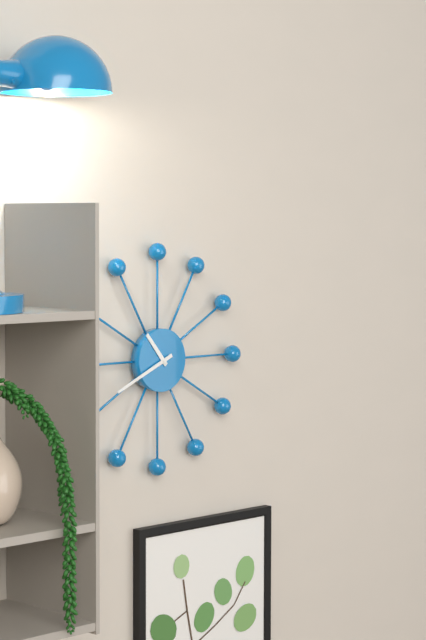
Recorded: h=10 m=41
